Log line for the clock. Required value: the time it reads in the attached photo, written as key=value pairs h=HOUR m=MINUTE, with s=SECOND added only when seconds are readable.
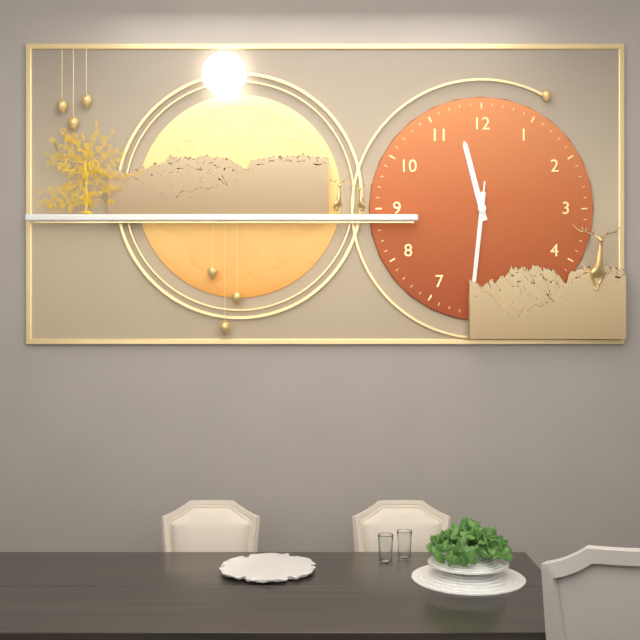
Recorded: h=11 m=31 s=31
